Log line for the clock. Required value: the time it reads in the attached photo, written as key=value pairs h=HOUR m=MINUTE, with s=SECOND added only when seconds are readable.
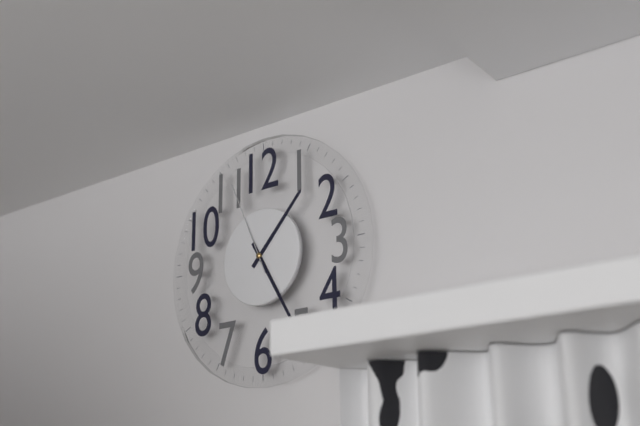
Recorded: h=1 m=25 s=56
